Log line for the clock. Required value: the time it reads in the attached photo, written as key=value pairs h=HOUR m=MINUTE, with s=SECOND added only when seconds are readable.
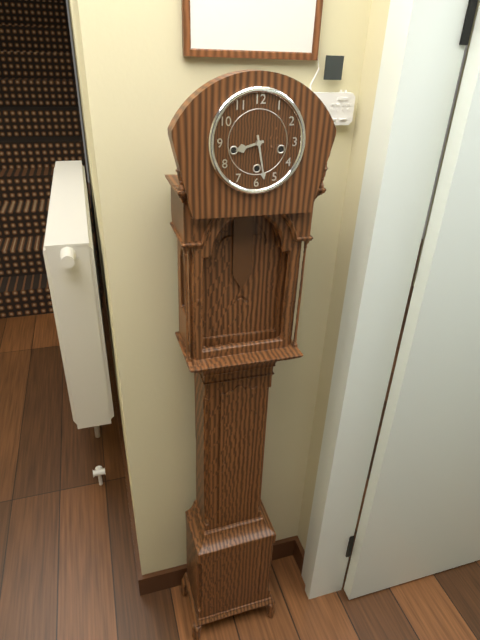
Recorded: h=8 m=28
